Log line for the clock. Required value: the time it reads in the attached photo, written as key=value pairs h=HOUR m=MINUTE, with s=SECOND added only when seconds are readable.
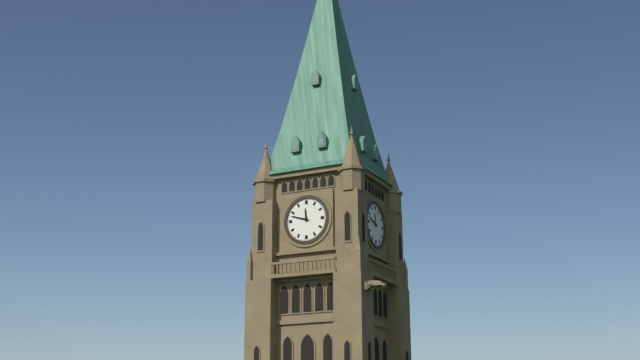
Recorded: h=11 m=48
